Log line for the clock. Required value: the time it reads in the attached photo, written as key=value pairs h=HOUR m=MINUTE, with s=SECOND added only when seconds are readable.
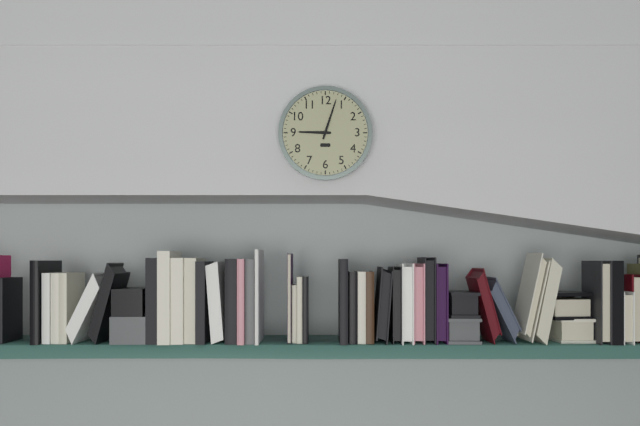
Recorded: h=9 m=3
